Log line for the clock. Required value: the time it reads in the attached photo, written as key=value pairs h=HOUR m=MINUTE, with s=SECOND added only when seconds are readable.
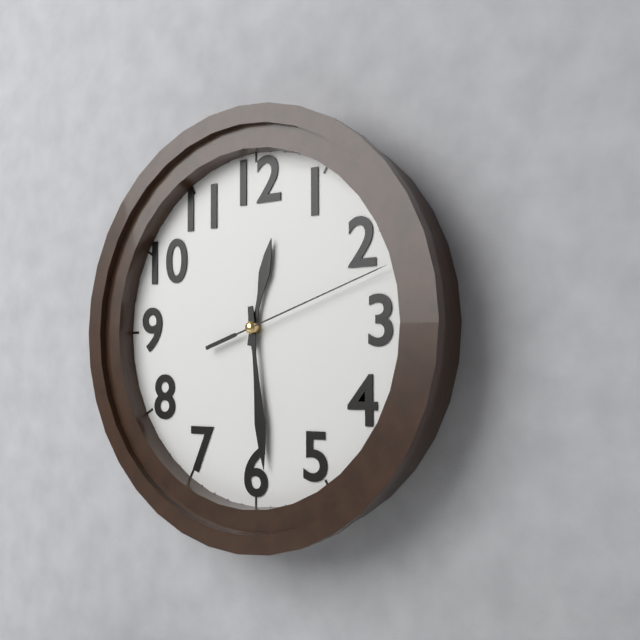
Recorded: h=12 m=29 s=12
